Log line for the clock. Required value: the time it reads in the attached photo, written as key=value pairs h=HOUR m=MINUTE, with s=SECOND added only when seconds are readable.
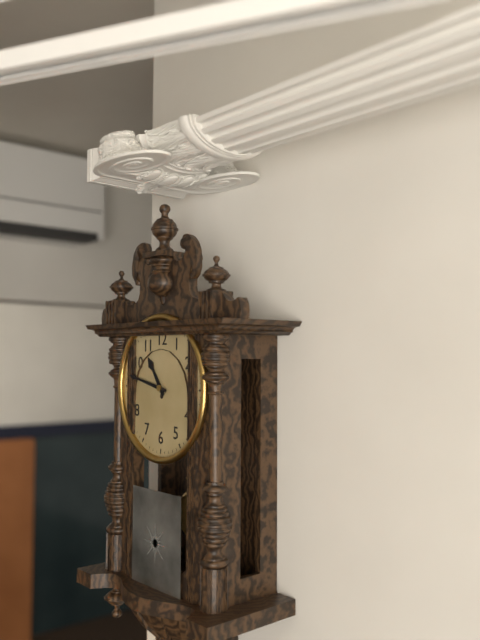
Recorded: h=10 m=47
